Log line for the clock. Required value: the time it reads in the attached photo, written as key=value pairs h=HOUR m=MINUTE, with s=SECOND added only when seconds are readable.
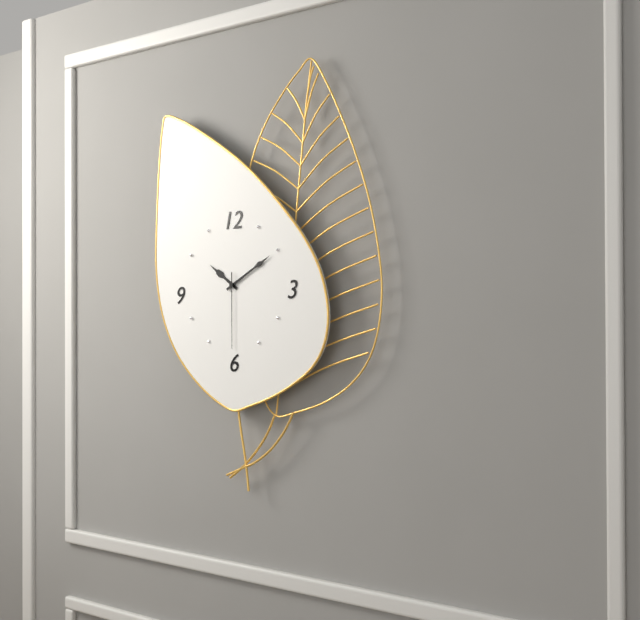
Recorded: h=10 m=10 s=30
